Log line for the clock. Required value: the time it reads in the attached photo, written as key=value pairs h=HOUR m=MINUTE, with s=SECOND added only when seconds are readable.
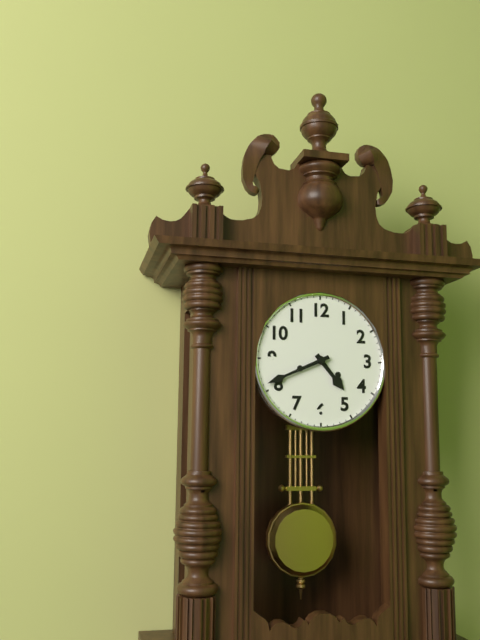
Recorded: h=4 m=41
